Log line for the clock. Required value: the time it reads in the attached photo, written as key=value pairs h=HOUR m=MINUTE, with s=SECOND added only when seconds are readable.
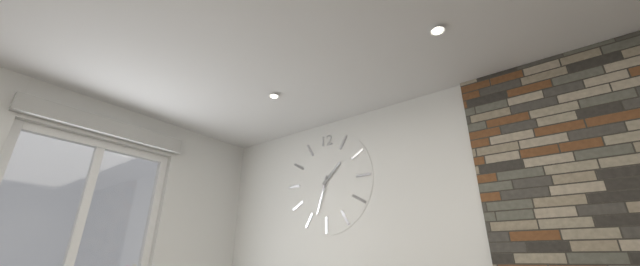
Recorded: h=1 m=33
